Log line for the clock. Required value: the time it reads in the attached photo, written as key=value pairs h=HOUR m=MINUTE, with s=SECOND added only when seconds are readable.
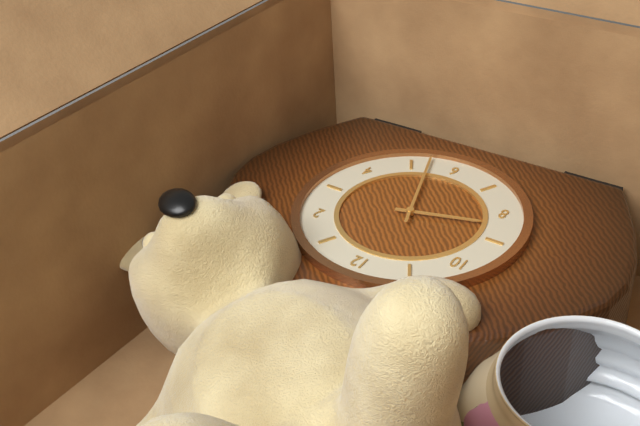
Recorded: h=8 m=27
